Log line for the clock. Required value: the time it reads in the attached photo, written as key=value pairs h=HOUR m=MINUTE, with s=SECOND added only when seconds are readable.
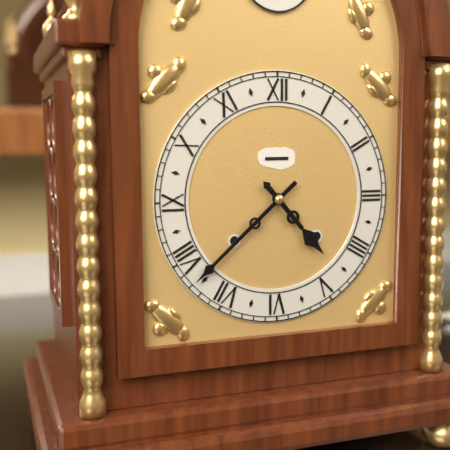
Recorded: h=4 m=38
